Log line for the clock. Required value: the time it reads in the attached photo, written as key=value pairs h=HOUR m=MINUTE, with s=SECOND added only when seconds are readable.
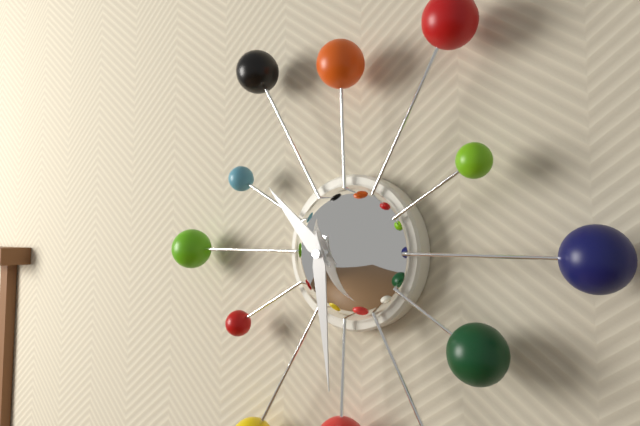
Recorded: h=10 m=29
